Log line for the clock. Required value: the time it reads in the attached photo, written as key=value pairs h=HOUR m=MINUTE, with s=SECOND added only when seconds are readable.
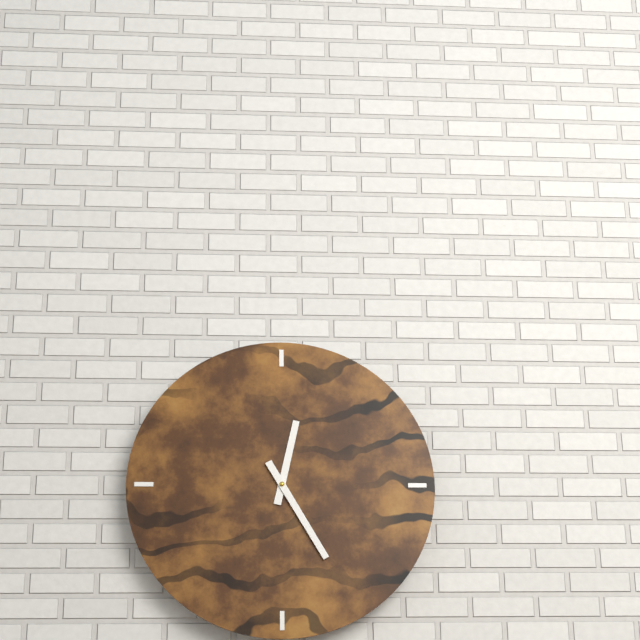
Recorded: h=12 m=25
